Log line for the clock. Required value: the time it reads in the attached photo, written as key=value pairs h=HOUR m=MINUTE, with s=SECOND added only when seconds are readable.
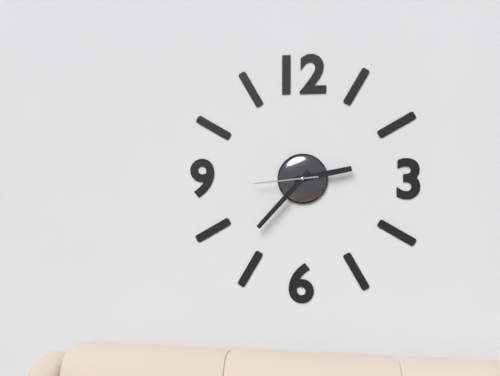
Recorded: h=2 m=37 s=44
